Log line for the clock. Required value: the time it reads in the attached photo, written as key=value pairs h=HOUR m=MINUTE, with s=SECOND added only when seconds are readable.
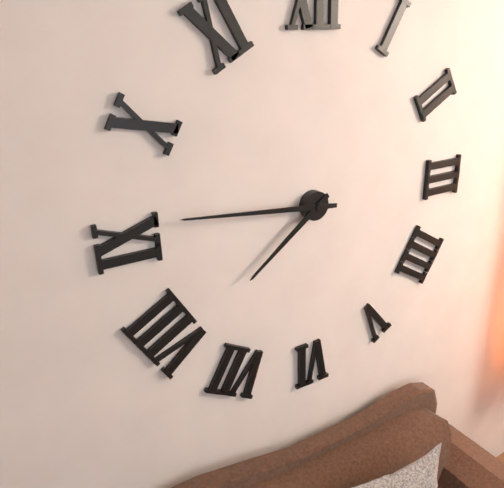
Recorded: h=7 m=46
